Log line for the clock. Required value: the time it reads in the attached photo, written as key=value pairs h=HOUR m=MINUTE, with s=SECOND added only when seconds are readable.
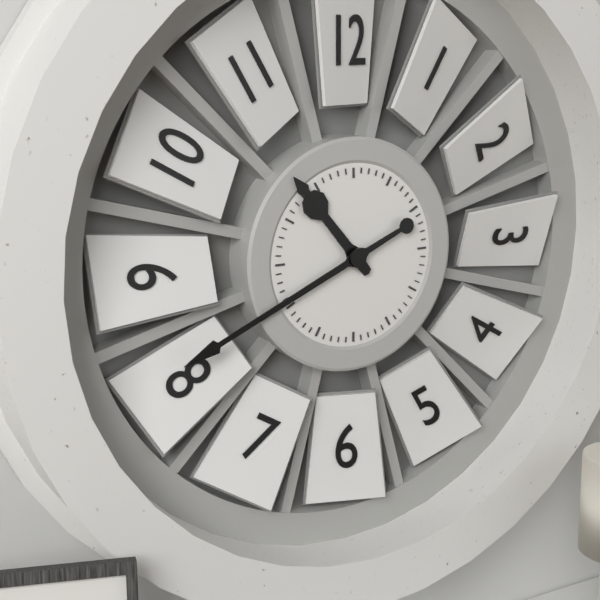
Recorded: h=10 m=41
